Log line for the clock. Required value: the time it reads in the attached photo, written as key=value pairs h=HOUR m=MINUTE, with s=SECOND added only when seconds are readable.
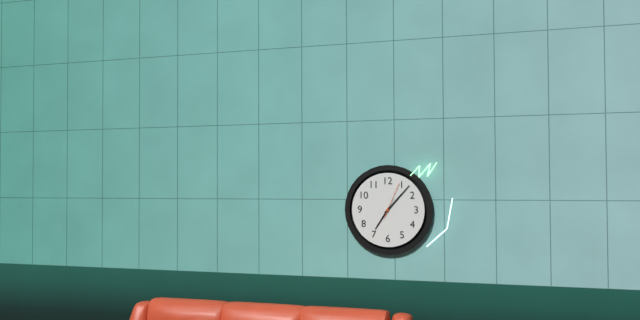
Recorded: h=7 m=7
